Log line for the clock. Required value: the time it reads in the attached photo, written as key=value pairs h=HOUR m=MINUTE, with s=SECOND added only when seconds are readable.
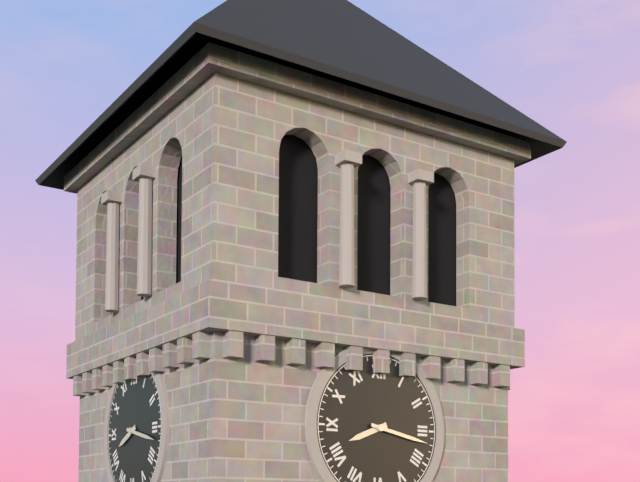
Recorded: h=8 m=17
